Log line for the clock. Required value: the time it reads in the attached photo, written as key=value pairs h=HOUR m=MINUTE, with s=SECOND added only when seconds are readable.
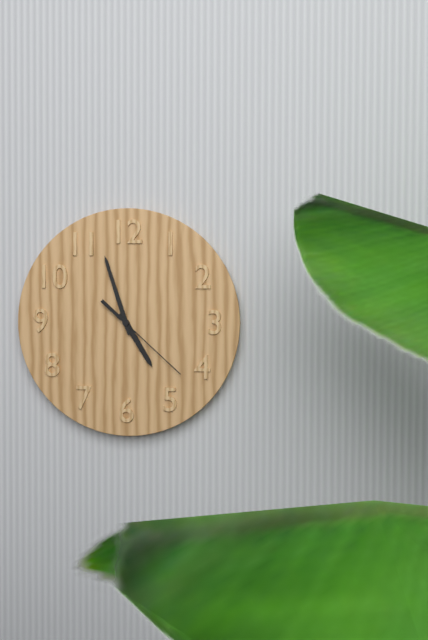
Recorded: h=4 m=57 s=22
